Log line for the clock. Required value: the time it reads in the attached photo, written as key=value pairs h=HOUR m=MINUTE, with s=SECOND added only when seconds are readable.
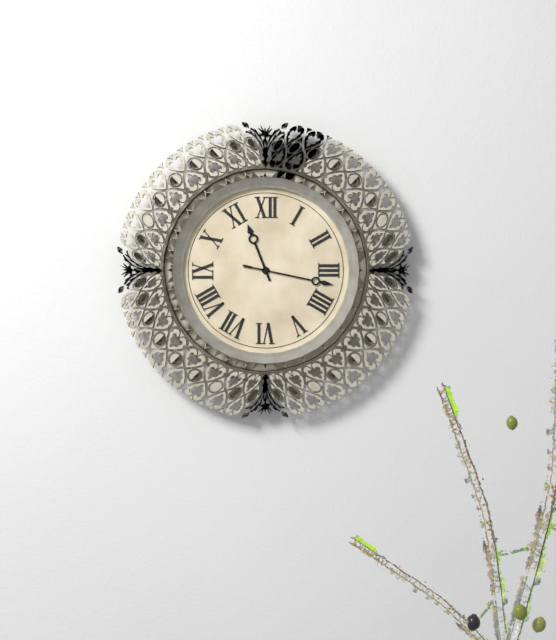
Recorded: h=11 m=17
